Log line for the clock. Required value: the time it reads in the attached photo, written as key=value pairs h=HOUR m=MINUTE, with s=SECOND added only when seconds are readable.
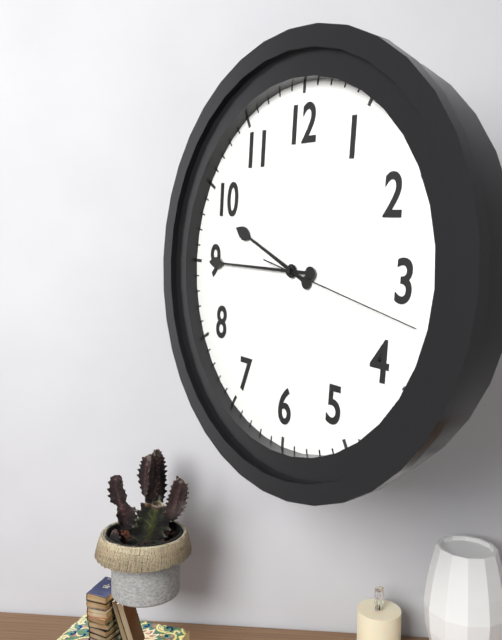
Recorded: h=9 m=45 s=17
